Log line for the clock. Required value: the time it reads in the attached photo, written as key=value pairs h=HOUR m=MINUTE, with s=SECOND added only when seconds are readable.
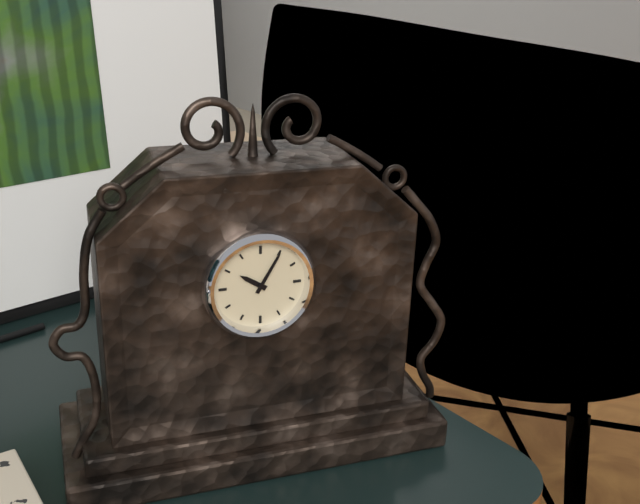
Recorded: h=10 m=5
